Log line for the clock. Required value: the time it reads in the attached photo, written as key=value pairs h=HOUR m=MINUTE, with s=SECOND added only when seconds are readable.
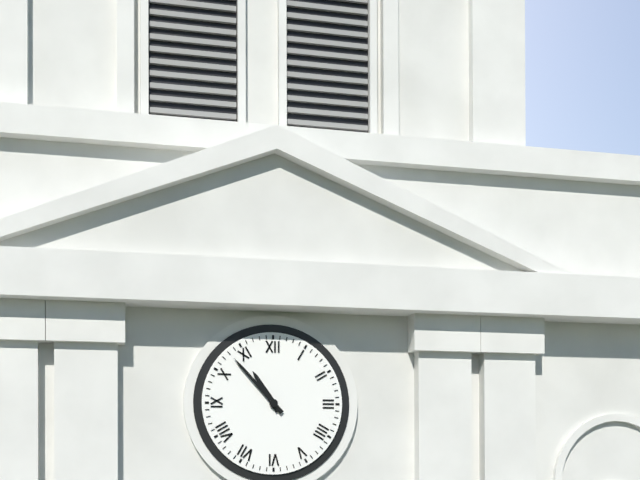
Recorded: h=10 m=53
